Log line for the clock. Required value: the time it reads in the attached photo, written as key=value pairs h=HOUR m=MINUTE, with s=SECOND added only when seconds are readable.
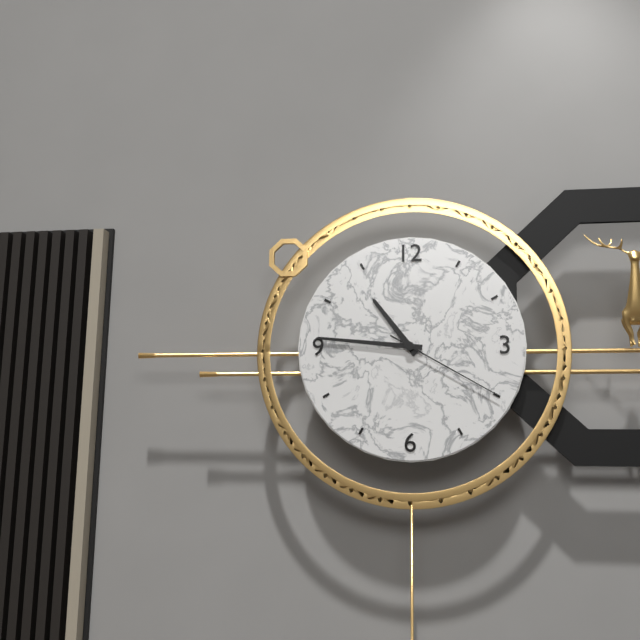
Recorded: h=10 m=46 s=20
